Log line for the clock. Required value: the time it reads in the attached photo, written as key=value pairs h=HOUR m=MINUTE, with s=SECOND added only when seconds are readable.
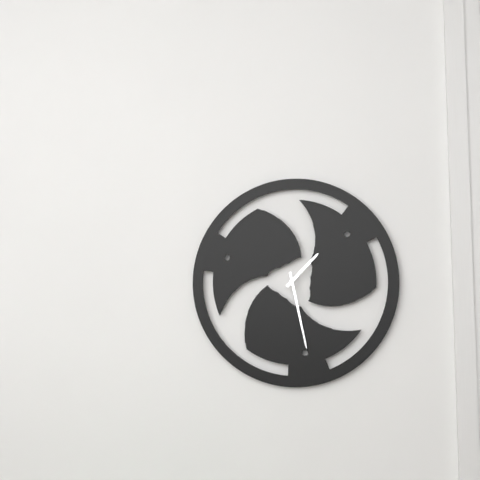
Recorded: h=1 m=28
